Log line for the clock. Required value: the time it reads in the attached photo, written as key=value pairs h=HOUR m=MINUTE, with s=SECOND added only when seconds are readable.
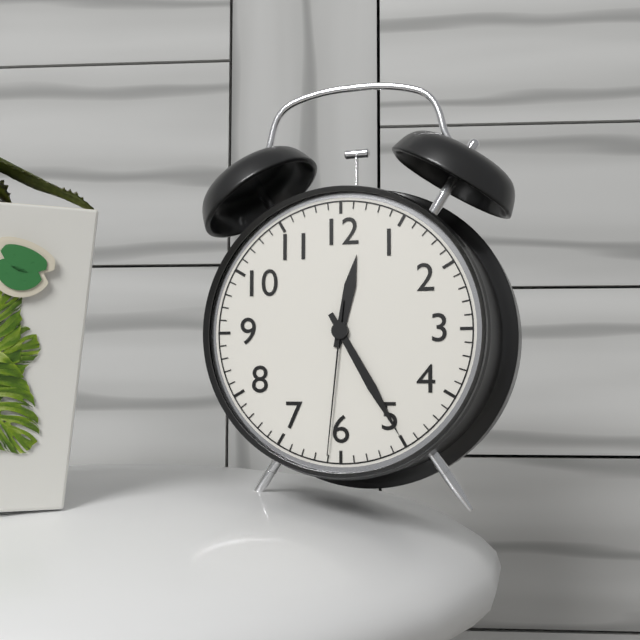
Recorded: h=12 m=25 s=31
